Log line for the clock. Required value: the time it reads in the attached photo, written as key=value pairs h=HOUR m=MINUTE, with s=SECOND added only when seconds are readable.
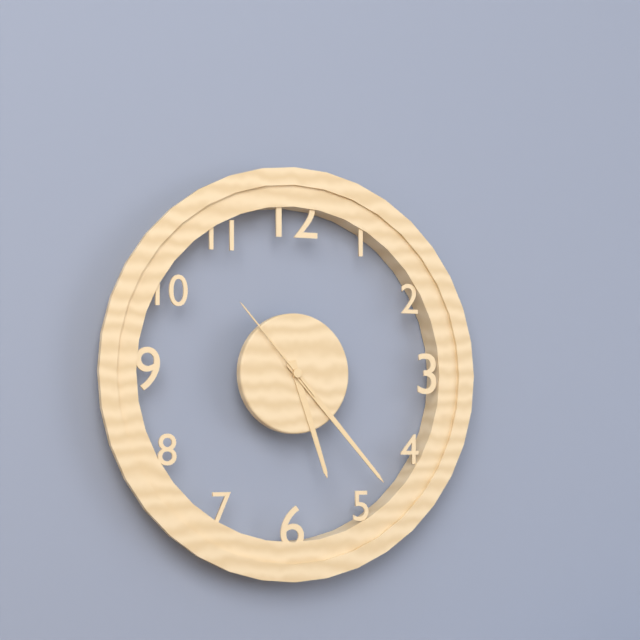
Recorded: h=5 m=23 s=53
